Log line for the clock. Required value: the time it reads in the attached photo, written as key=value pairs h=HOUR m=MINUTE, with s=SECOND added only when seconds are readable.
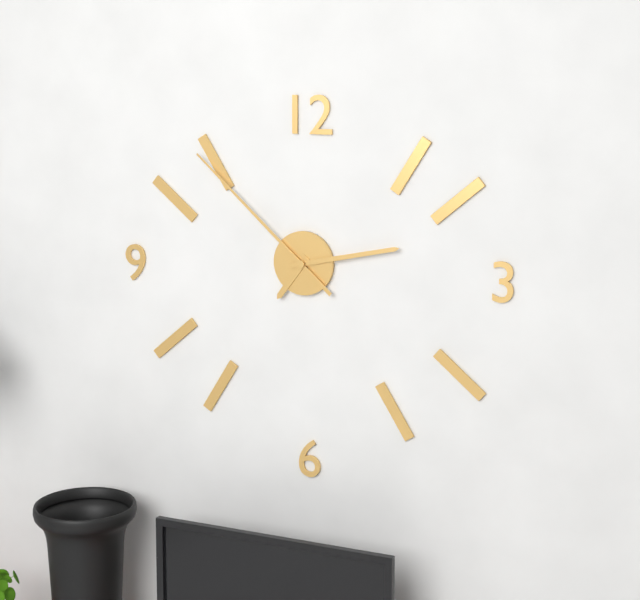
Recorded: h=7 m=13 s=52
